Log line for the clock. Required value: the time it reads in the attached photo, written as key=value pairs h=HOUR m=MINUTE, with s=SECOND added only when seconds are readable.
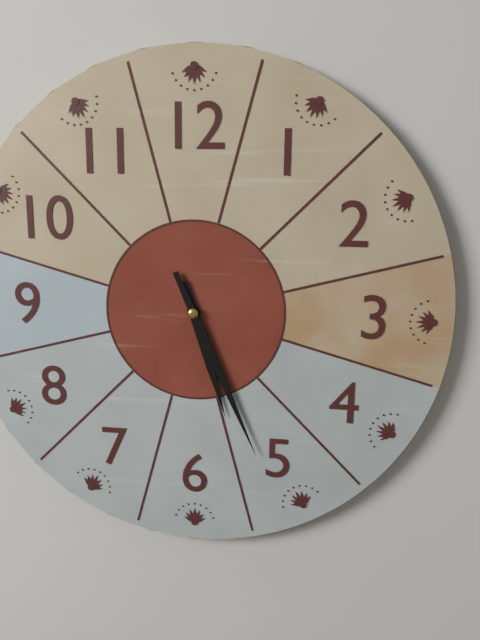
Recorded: h=5 m=26
